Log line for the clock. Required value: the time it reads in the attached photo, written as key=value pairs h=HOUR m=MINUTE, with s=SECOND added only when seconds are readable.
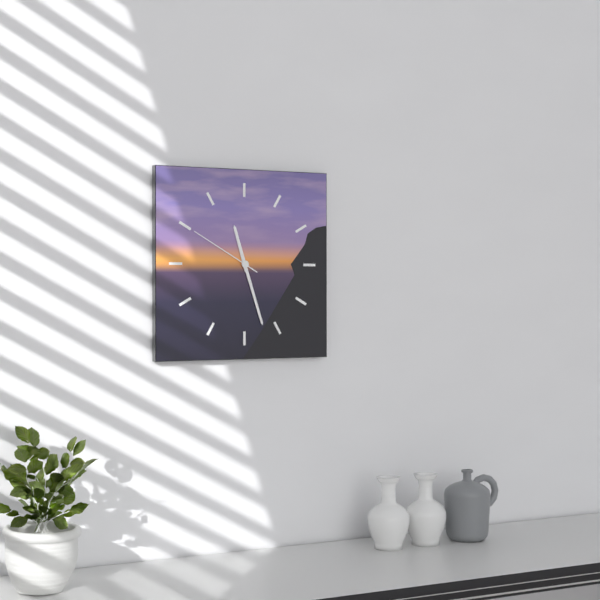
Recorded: h=11 m=27 s=50
